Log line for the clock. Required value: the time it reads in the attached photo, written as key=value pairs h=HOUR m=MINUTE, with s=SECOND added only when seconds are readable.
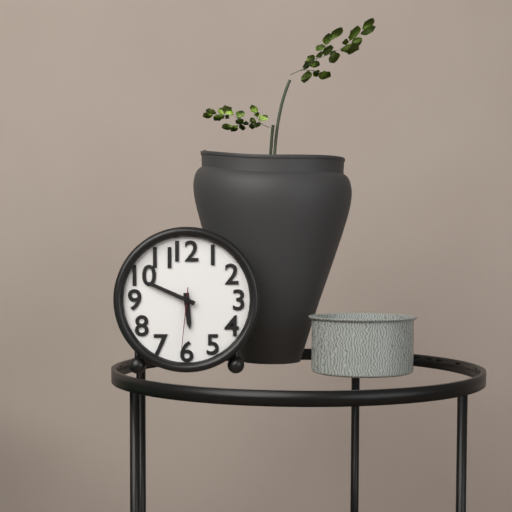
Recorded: h=5 m=49 s=31
